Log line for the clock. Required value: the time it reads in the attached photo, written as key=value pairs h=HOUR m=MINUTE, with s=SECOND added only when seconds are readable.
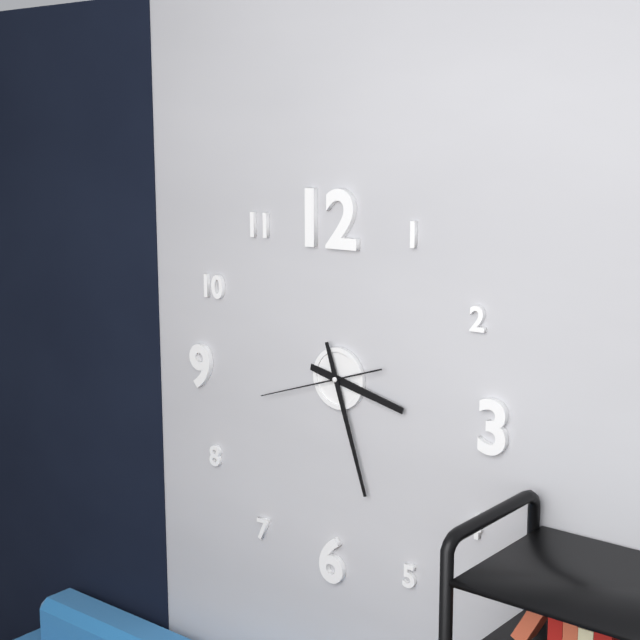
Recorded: h=3 m=27 s=42
